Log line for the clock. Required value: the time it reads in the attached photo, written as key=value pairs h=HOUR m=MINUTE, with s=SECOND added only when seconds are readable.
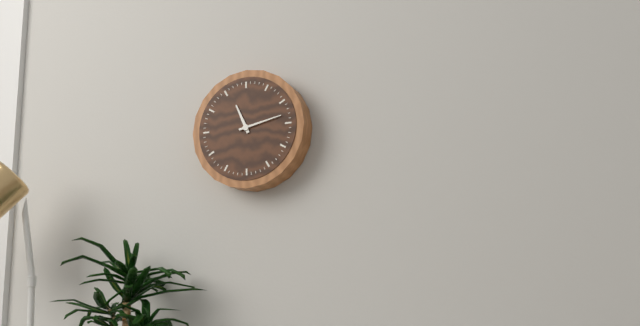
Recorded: h=11 m=13
